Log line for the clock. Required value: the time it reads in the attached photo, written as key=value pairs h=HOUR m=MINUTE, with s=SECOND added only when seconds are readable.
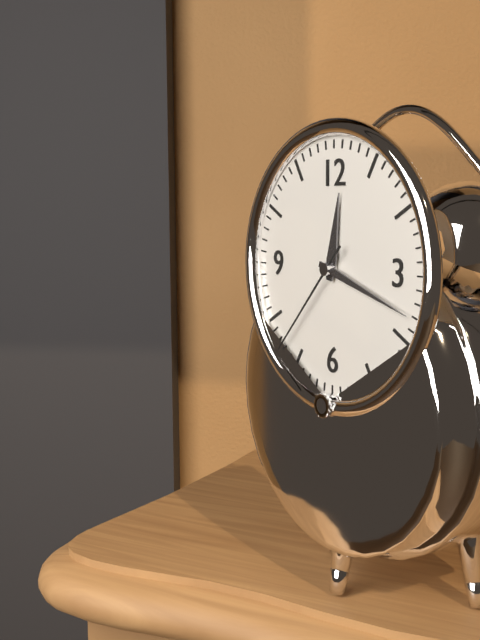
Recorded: h=12 m=18 s=37
